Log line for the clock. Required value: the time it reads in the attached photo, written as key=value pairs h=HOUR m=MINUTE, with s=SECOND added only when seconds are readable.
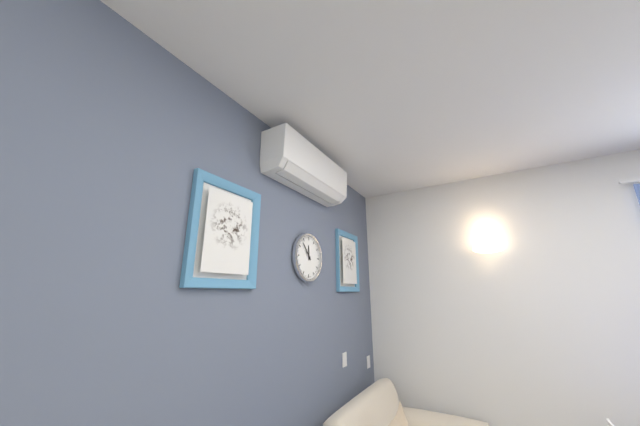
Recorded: h=11 m=53
